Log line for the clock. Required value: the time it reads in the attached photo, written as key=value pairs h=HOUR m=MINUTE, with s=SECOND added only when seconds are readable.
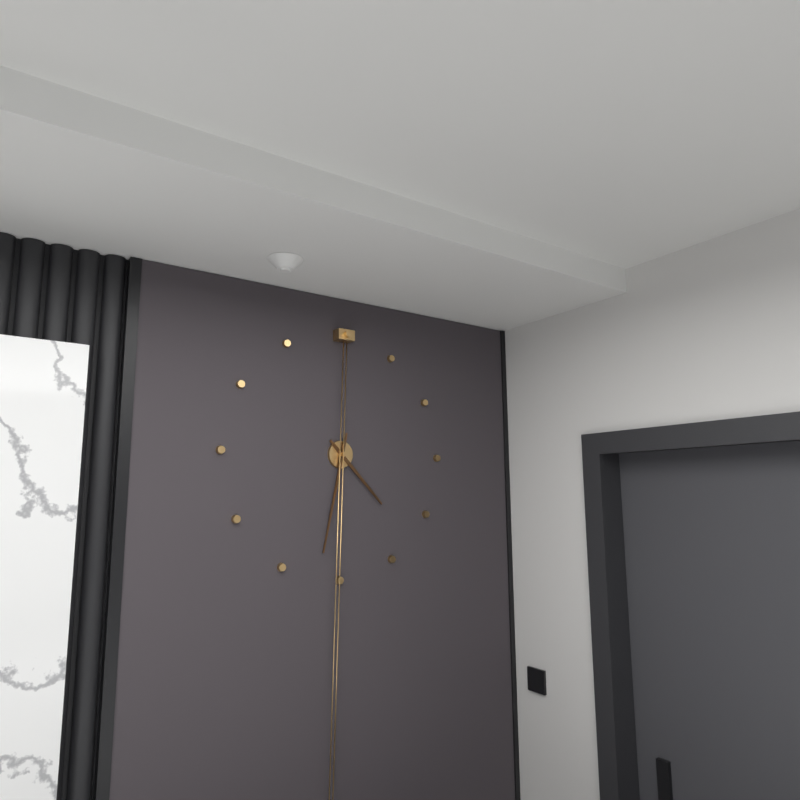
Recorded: h=4 m=32
